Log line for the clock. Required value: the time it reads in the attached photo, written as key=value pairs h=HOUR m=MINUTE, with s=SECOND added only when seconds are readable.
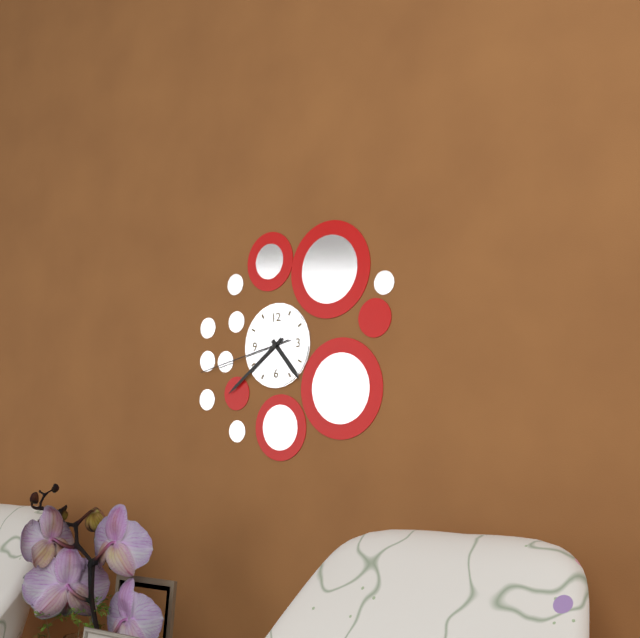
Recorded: h=4 m=39 s=43
